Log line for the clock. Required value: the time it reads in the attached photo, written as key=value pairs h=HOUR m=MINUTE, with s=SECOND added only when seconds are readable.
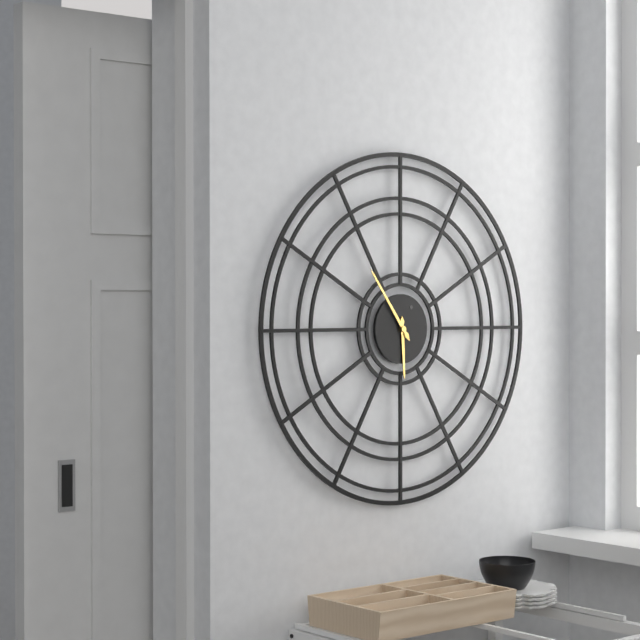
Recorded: h=5 m=54
